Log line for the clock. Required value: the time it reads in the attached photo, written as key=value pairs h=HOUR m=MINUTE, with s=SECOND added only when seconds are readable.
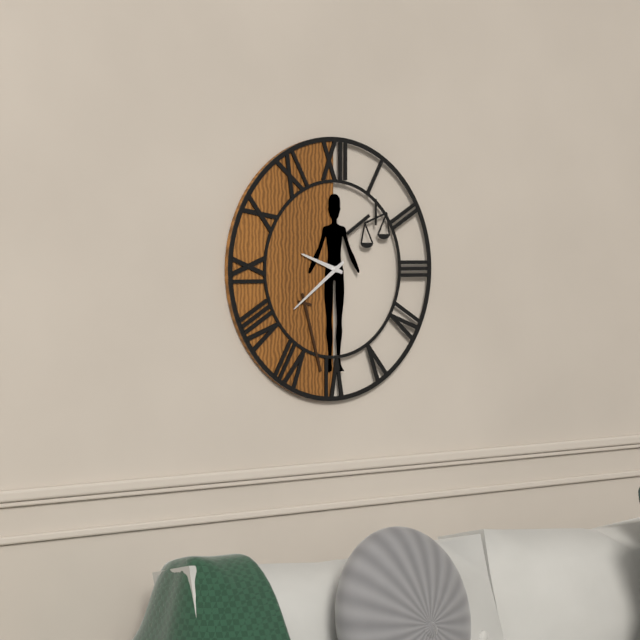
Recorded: h=9 m=39
